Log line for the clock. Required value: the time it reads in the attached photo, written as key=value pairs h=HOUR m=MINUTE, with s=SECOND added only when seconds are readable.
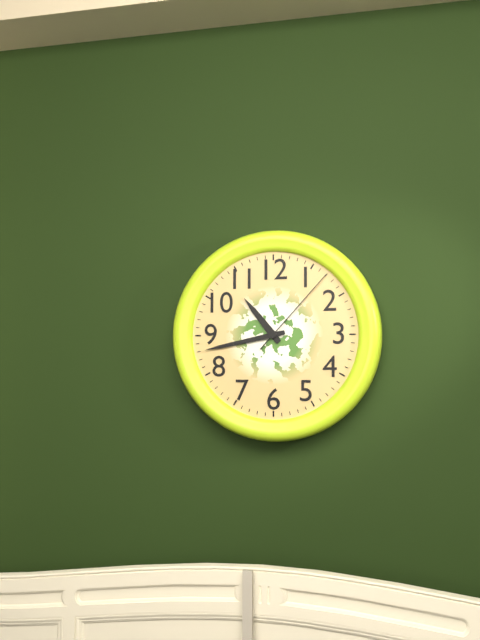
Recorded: h=10 m=43 s=7
